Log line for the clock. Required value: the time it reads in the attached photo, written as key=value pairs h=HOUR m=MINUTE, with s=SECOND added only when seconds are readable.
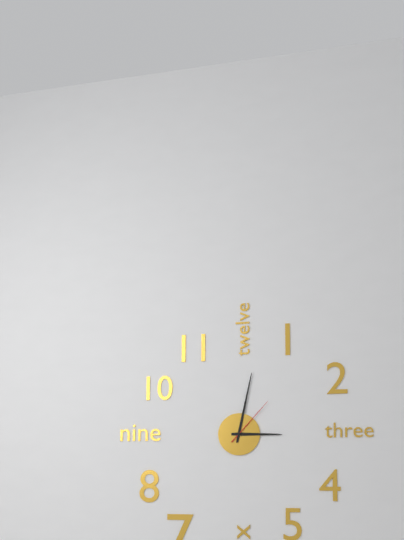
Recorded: h=3 m=2 s=7
